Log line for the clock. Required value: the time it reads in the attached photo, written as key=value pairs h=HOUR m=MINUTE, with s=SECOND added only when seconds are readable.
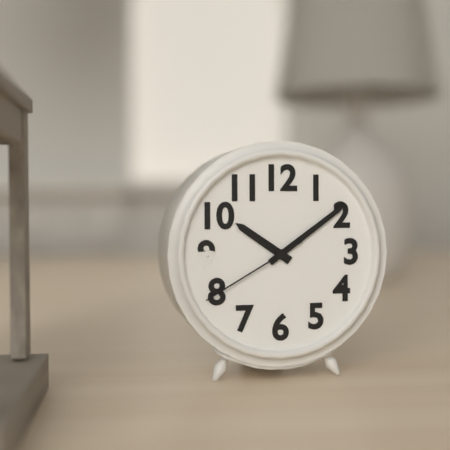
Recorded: h=10 m=9 s=40
